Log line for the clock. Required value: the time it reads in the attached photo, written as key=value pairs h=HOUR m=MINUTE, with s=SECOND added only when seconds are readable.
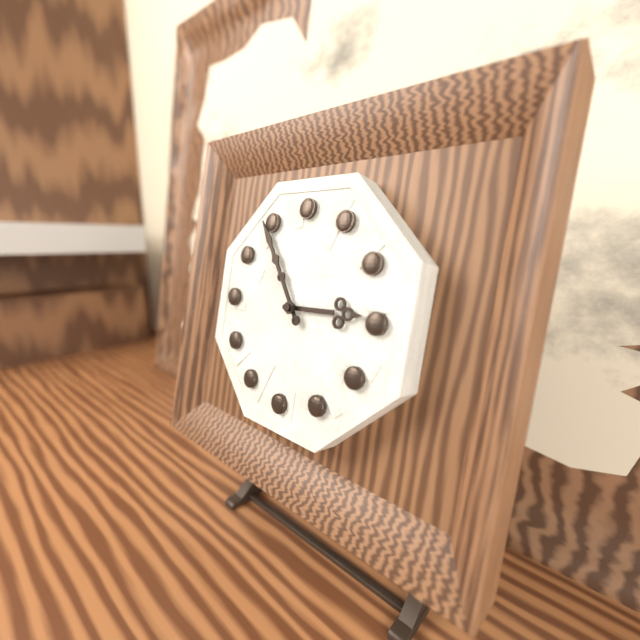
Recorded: h=2 m=54
